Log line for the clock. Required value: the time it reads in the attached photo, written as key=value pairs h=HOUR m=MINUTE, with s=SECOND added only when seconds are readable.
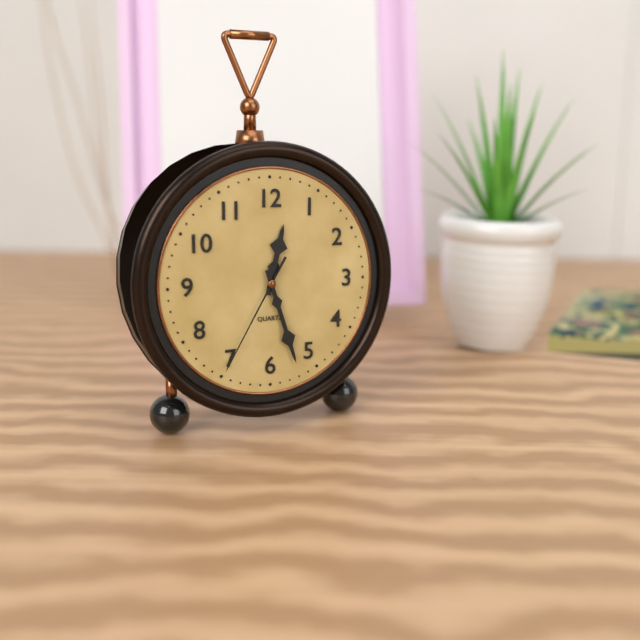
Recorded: h=12 m=27 s=35
